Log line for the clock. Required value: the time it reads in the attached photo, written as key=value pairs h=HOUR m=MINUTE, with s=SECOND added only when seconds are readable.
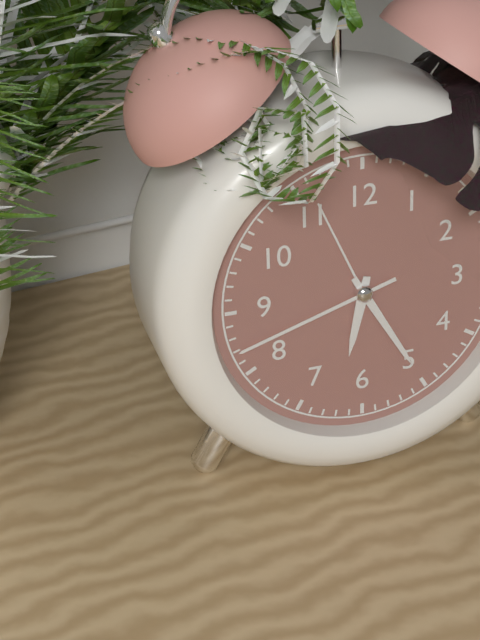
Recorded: h=6 m=25 s=42
